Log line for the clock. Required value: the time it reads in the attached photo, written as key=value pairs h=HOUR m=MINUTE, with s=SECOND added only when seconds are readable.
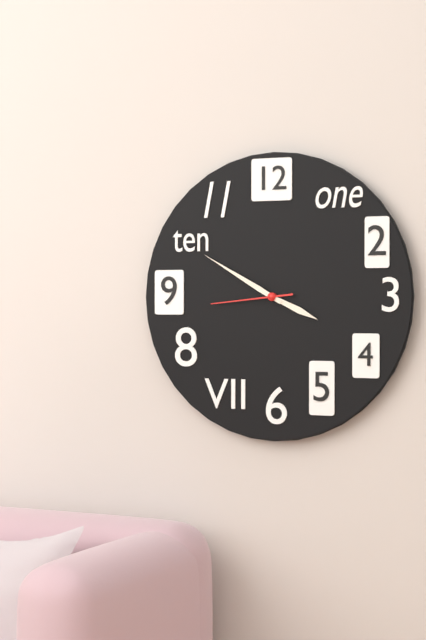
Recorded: h=3 m=50 s=44
